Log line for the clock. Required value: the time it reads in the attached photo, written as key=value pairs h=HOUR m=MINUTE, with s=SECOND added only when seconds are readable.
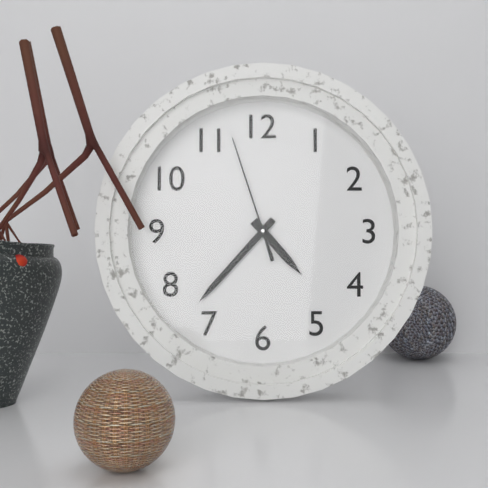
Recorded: h=4 m=37 s=57
